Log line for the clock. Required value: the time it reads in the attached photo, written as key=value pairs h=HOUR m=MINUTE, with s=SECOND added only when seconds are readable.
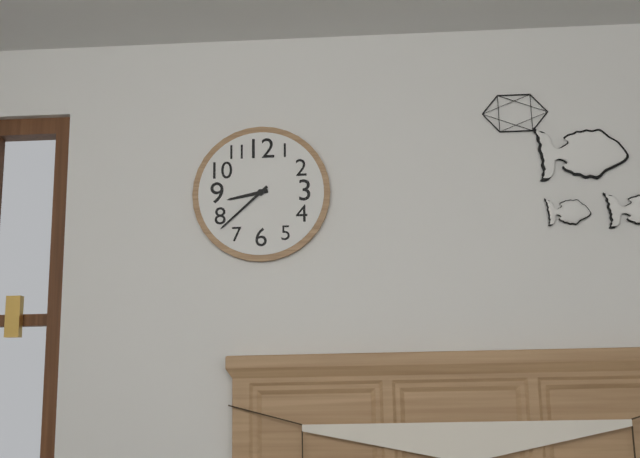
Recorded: h=8 m=38
